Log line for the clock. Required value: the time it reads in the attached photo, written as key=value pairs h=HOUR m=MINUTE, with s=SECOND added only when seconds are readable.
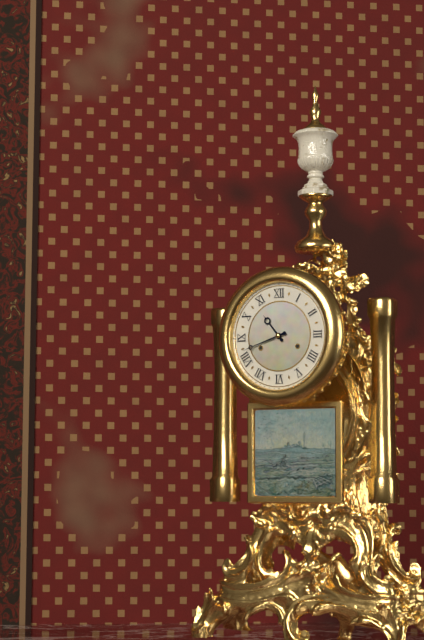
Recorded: h=10 m=42
